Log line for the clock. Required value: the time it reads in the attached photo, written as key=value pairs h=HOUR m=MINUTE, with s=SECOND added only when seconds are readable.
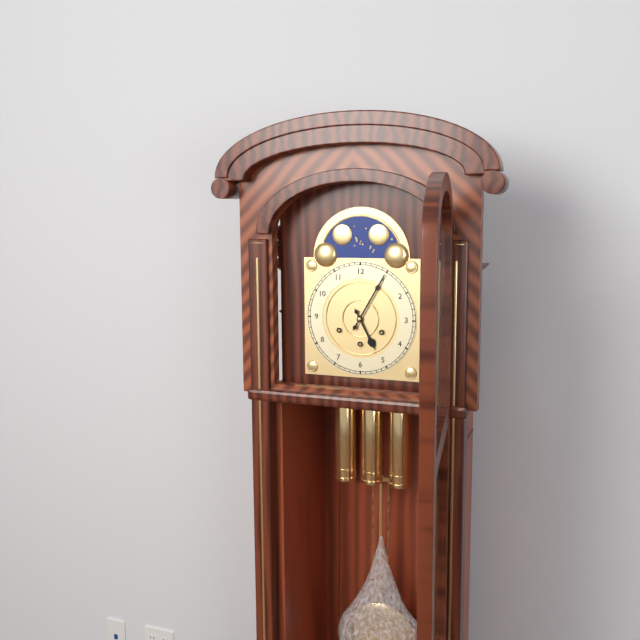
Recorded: h=5 m=5
